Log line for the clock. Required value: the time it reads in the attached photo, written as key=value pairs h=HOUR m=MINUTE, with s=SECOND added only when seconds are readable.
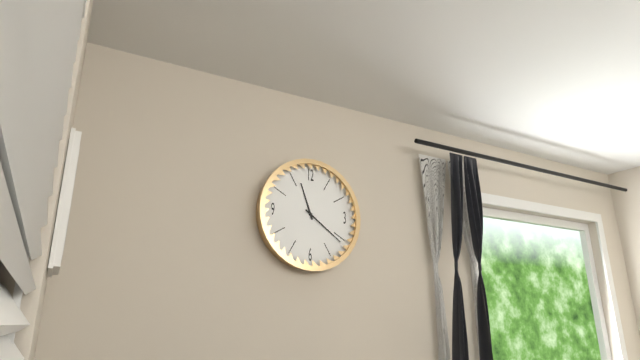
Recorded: h=11 m=21
